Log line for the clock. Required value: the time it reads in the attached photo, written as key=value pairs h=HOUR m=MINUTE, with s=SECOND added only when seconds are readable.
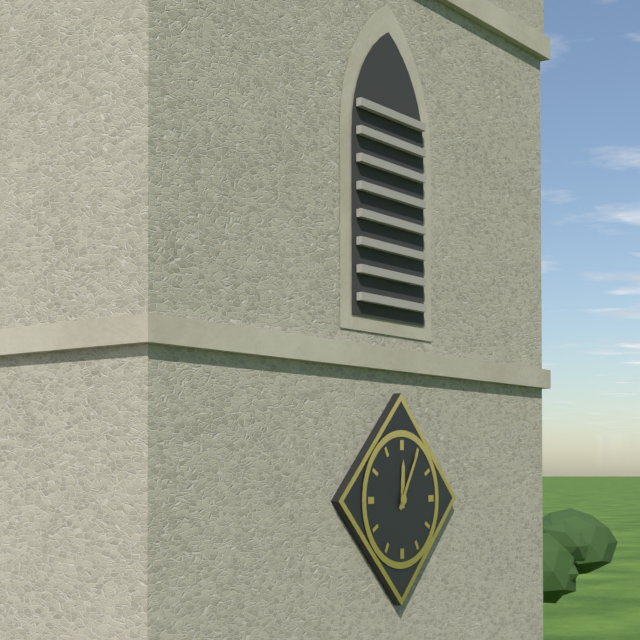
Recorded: h=12 m=5
